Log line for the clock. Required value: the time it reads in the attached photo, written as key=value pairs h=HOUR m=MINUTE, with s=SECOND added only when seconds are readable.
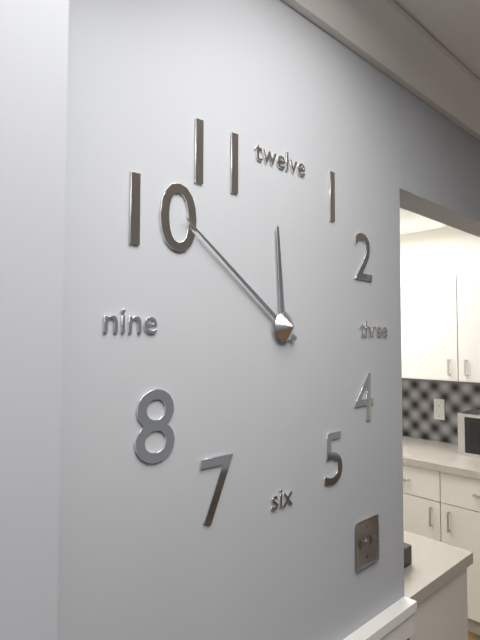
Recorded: h=11 m=51
